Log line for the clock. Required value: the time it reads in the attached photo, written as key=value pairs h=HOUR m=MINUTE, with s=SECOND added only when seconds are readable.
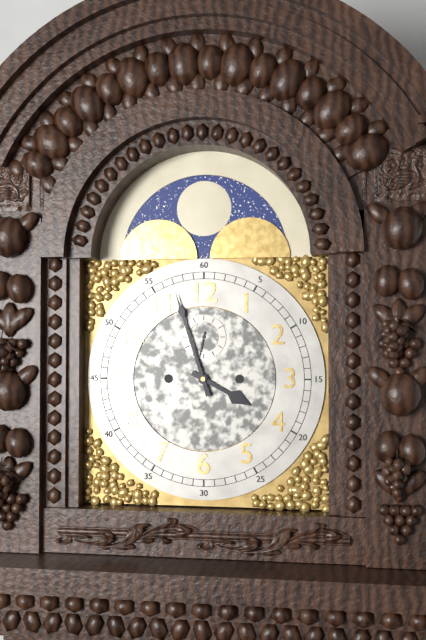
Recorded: h=3 m=57
